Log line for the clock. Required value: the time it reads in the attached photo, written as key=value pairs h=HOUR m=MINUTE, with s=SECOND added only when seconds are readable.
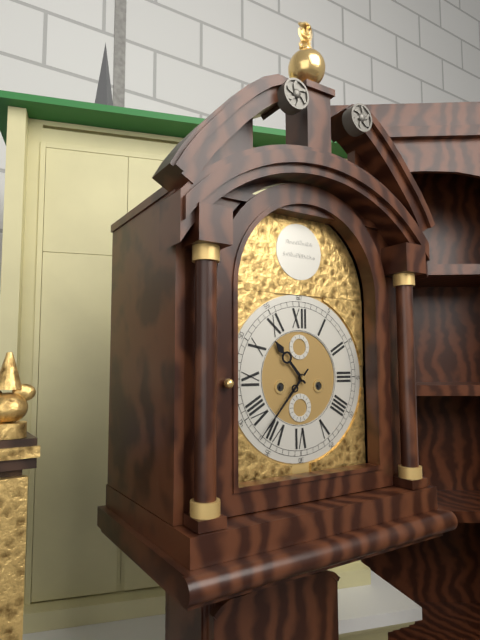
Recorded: h=10 m=37
